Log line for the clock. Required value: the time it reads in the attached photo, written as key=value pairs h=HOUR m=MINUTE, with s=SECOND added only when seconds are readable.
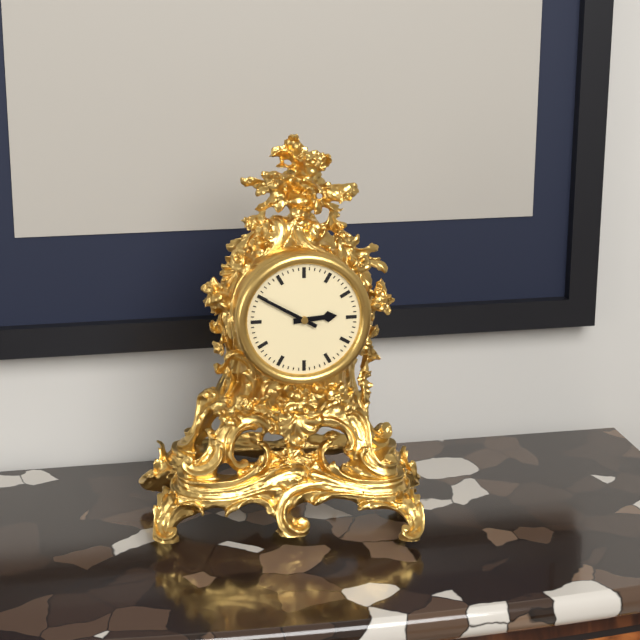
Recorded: h=2 m=50
